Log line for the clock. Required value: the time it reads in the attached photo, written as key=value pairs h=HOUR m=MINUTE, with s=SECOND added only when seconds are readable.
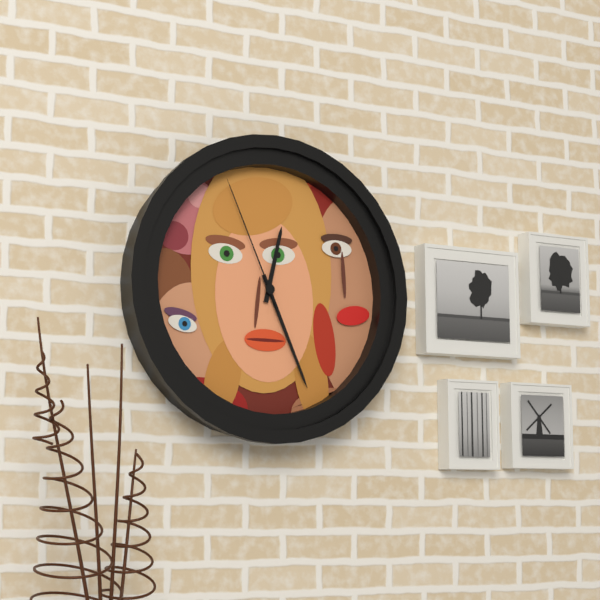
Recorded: h=12 m=26 s=56
